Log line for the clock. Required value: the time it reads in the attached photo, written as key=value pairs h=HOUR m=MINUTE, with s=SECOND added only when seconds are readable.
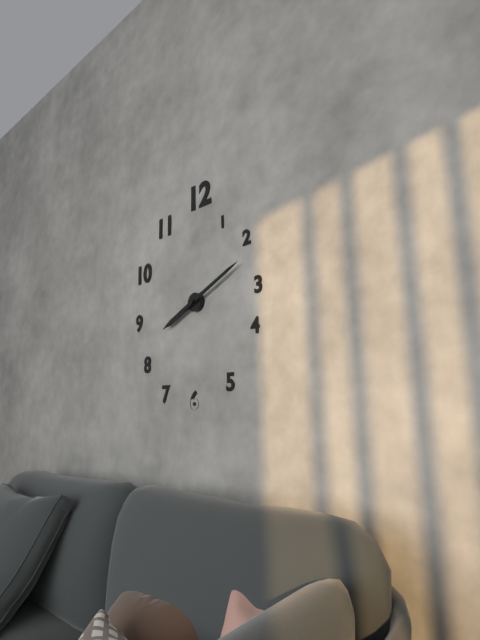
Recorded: h=8 m=11
